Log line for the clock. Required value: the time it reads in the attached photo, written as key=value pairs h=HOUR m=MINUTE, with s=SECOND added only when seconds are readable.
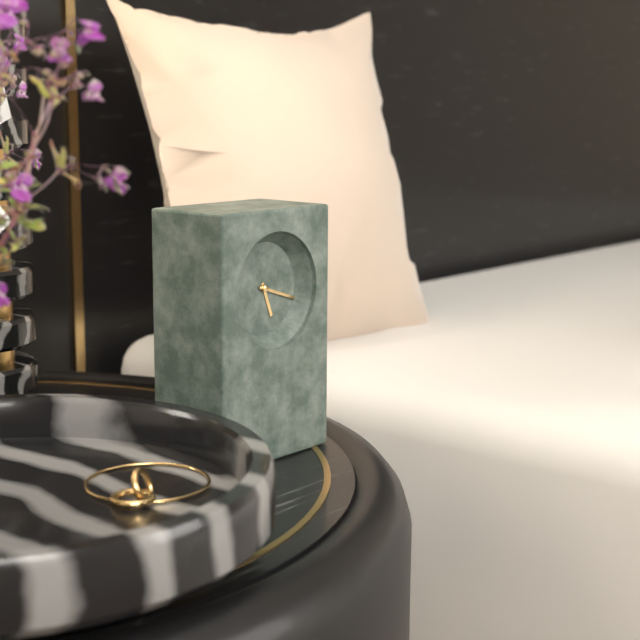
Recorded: h=5 m=18
